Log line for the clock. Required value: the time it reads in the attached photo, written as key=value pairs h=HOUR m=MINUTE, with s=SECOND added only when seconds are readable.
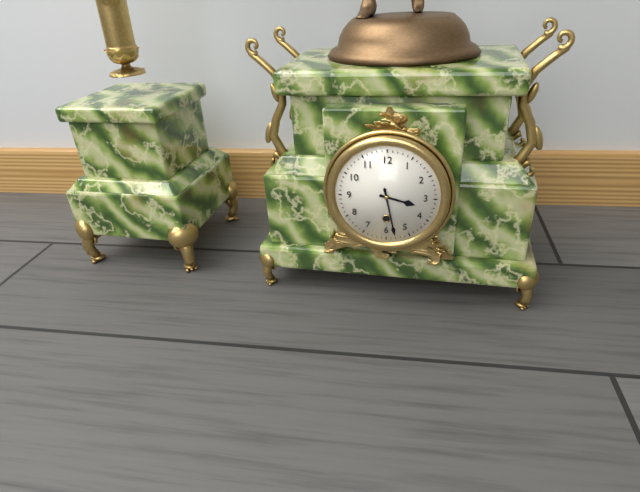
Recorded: h=3 m=28
